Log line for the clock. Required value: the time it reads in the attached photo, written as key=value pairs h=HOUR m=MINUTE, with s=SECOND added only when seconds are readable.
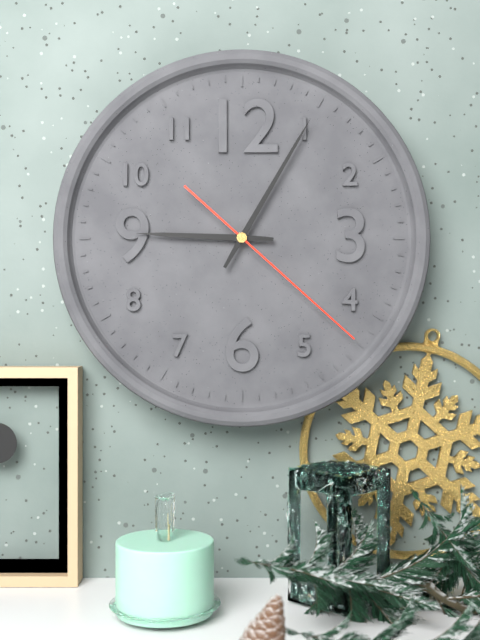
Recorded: h=9 m=5 s=22
